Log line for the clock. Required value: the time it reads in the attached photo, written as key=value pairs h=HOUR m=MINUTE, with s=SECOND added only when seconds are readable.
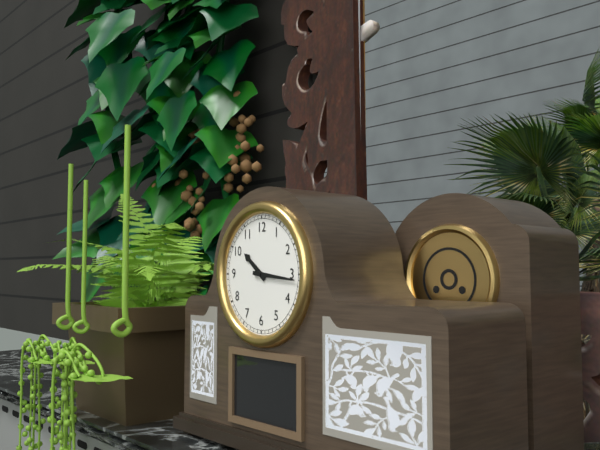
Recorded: h=10 m=16
